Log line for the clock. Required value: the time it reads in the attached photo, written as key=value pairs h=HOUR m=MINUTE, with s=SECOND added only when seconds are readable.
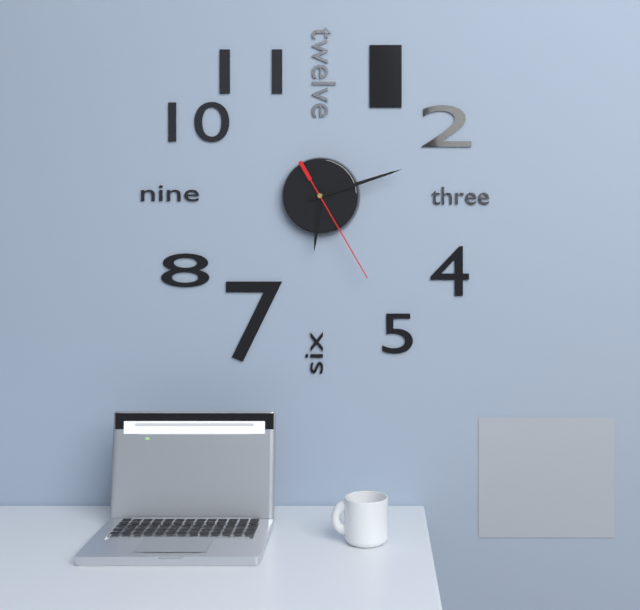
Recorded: h=6 m=12 s=25
